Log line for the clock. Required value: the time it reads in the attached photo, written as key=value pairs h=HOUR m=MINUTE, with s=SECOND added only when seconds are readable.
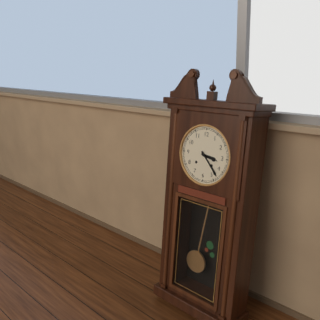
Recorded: h=3 m=23
